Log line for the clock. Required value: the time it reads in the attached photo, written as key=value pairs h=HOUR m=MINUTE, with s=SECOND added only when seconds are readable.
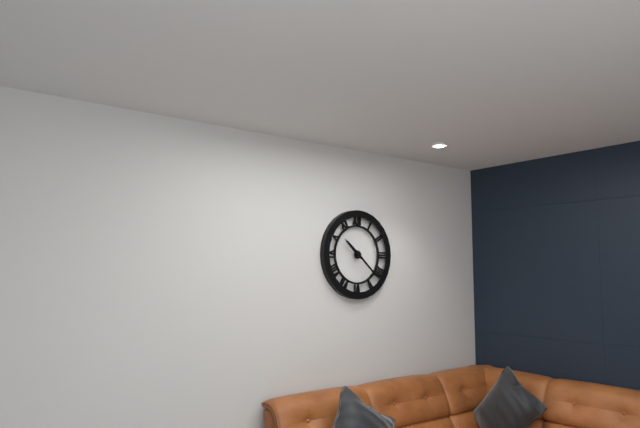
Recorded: h=10 m=22
